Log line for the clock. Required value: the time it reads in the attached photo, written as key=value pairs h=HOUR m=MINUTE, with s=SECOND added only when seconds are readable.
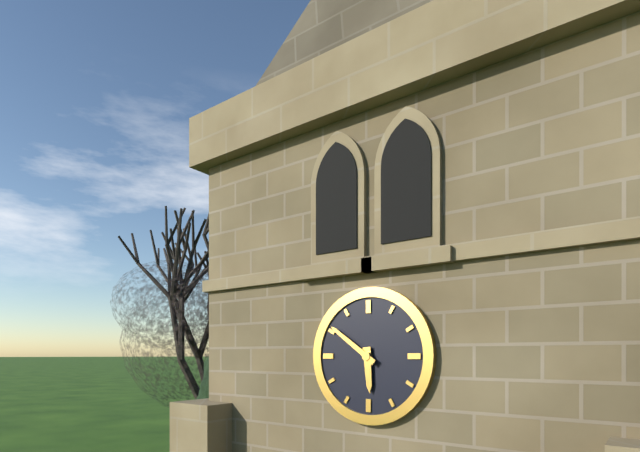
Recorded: h=5 m=51
